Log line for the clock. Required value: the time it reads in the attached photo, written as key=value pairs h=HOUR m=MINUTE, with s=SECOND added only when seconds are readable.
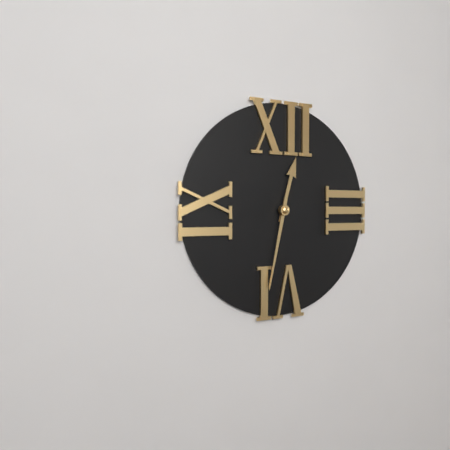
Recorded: h=12 m=32
